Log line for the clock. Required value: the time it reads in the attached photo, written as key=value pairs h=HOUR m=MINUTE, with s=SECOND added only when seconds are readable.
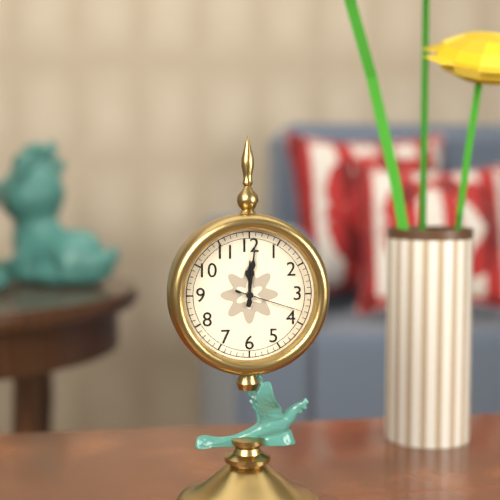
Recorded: h=12 m=1 s=18
